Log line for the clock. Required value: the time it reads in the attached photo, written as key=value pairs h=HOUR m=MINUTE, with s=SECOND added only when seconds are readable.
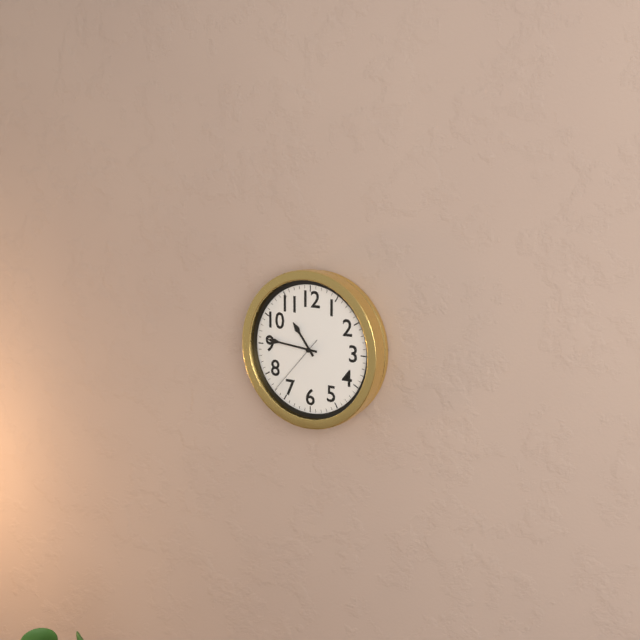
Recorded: h=10 m=46 s=37
